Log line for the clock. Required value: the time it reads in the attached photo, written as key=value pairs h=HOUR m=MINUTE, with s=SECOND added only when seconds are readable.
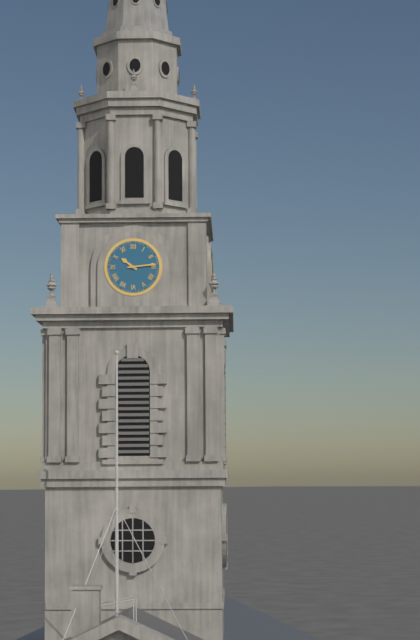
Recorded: h=10 m=14
